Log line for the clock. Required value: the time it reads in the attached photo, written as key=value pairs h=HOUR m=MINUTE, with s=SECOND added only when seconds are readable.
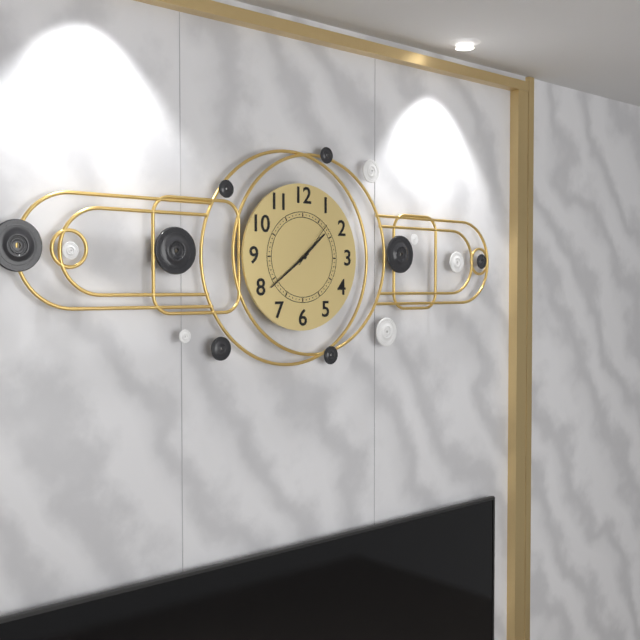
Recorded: h=1 m=39
